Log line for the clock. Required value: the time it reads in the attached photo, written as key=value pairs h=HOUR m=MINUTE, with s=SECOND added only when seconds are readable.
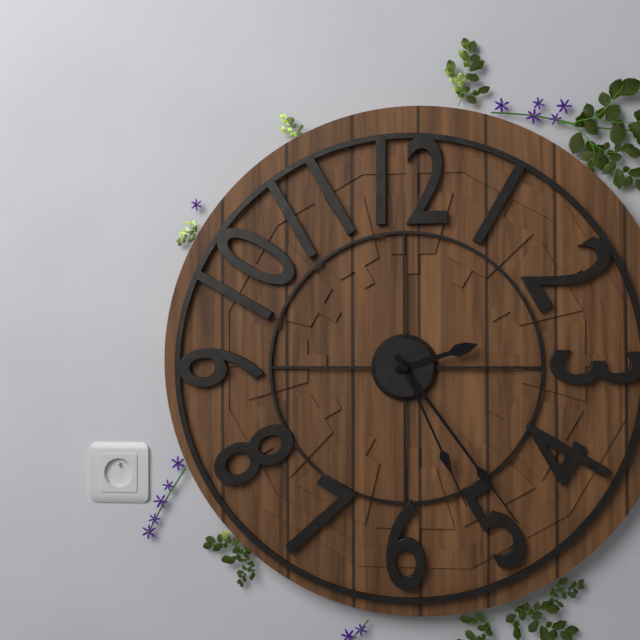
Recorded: h=2 m=24 s=26
